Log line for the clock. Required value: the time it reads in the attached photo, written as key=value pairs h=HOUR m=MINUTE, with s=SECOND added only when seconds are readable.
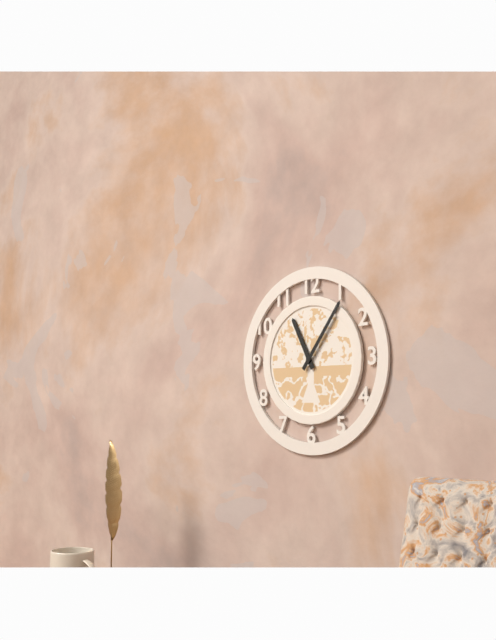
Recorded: h=11 m=6
